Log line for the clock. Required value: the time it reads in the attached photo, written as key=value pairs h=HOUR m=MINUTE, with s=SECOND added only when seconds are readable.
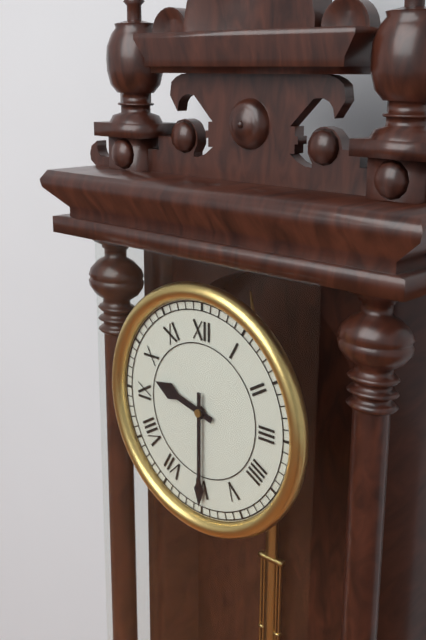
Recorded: h=9 m=30
